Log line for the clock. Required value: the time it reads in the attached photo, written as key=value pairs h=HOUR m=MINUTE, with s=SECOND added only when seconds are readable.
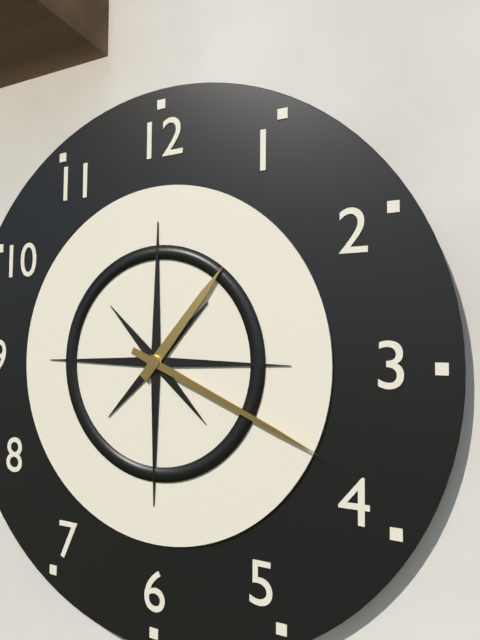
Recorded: h=1 m=19
